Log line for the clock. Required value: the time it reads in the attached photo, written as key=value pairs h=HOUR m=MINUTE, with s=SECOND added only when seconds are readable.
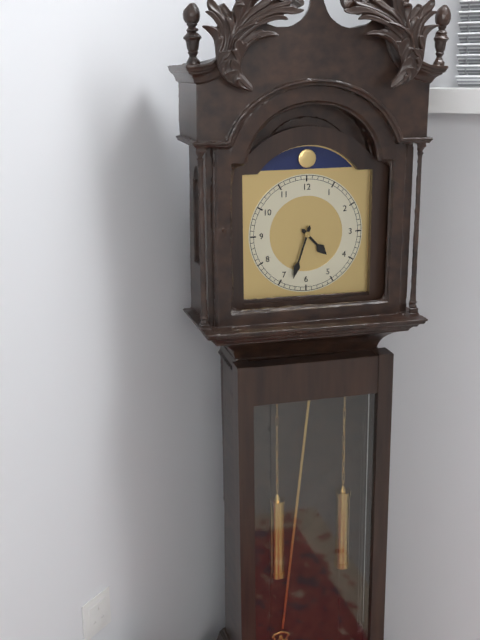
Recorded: h=4 m=33
